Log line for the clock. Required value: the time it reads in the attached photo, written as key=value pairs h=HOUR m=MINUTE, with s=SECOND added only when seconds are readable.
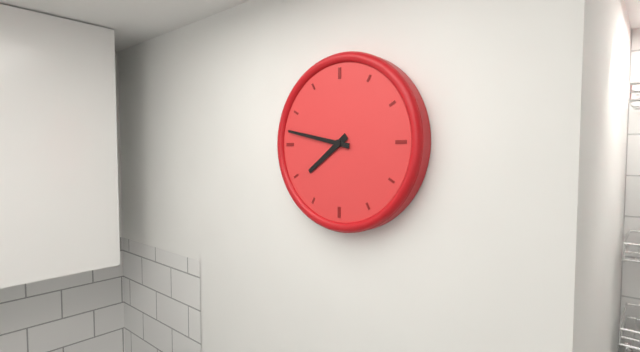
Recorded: h=7 m=47
